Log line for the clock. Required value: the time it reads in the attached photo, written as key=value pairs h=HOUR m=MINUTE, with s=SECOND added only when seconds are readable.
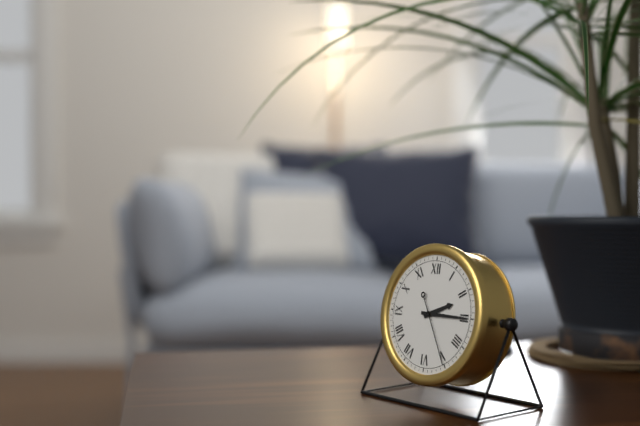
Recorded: h=2 m=15 s=25
